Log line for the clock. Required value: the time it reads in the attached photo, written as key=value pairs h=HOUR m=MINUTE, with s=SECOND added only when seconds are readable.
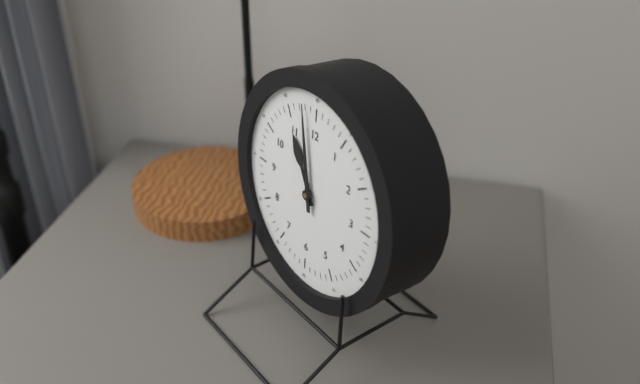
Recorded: h=10 m=58
